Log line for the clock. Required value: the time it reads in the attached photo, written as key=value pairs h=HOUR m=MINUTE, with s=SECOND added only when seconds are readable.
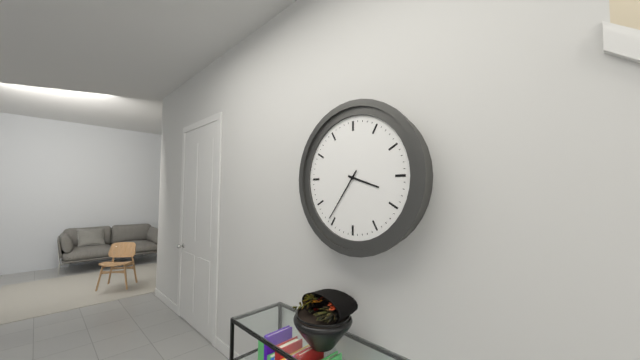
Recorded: h=3 m=36
